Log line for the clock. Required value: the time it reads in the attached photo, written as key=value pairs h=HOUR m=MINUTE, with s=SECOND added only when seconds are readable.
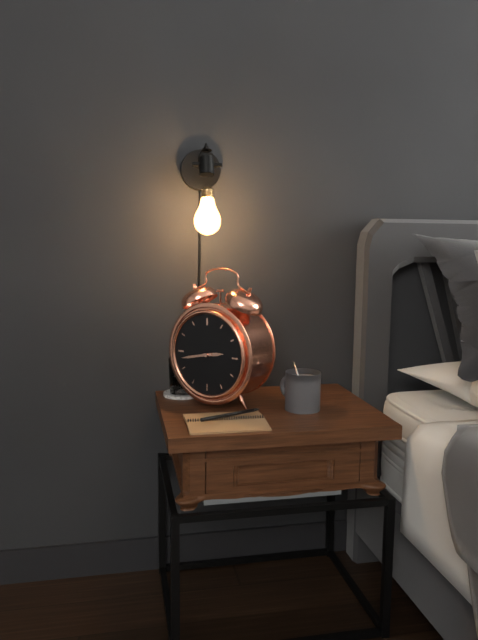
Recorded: h=2 m=43
